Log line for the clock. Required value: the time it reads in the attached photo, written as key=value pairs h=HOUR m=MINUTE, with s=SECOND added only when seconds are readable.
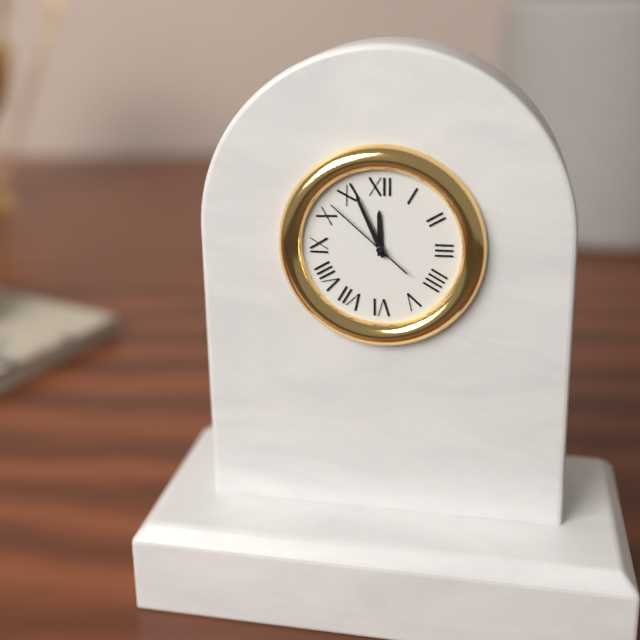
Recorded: h=11 m=56 s=52
